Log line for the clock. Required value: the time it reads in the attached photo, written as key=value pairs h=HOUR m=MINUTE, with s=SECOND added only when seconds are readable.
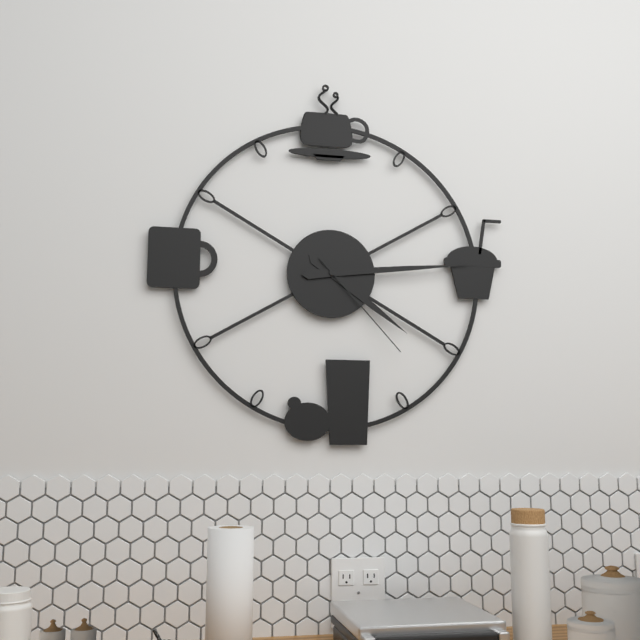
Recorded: h=4 m=14 s=23
